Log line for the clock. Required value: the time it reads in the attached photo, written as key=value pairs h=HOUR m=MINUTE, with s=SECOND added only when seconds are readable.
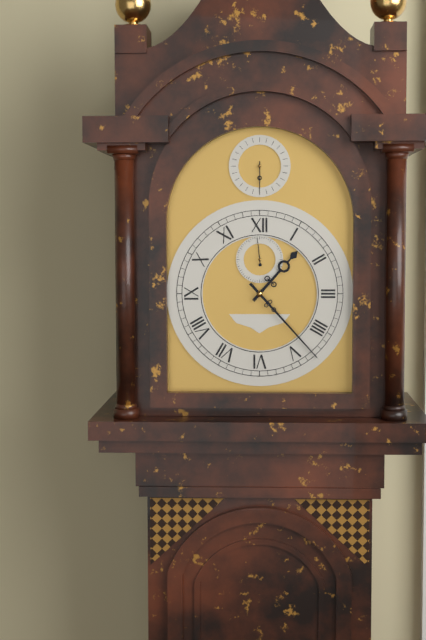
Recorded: h=1 m=23
